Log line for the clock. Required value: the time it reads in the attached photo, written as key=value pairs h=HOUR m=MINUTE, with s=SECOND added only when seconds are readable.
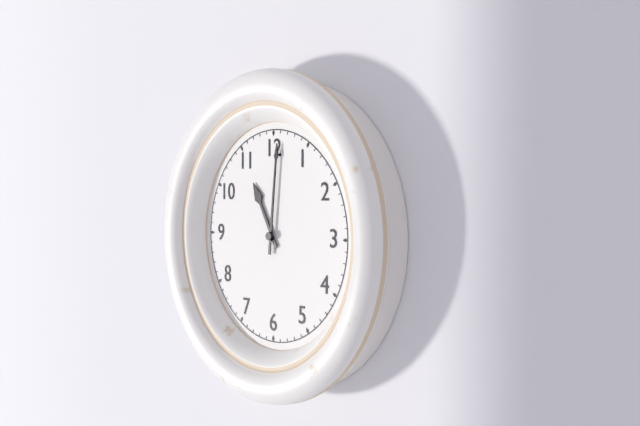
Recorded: h=11 m=1
